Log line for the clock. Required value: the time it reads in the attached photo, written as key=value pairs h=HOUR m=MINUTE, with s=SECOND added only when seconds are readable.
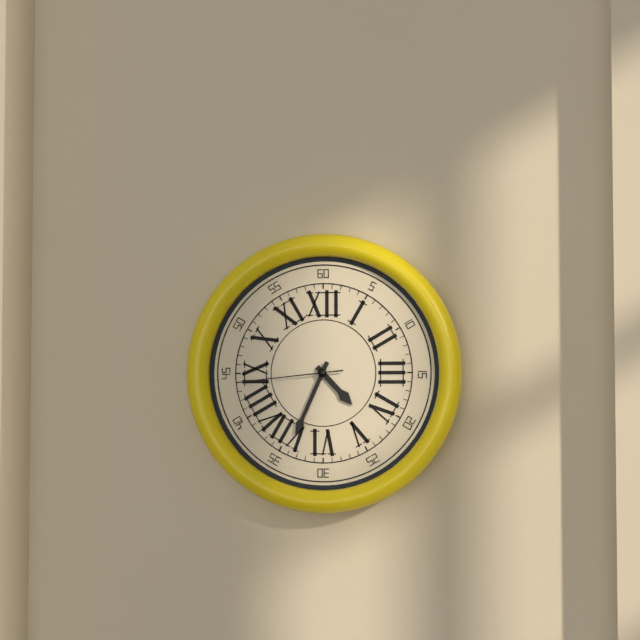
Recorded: h=4 m=34 s=44
